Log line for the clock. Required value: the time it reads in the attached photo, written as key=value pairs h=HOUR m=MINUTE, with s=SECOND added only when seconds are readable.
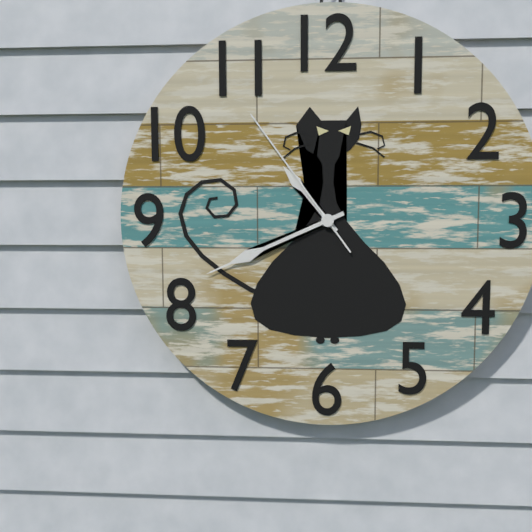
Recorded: h=10 m=41 s=54
